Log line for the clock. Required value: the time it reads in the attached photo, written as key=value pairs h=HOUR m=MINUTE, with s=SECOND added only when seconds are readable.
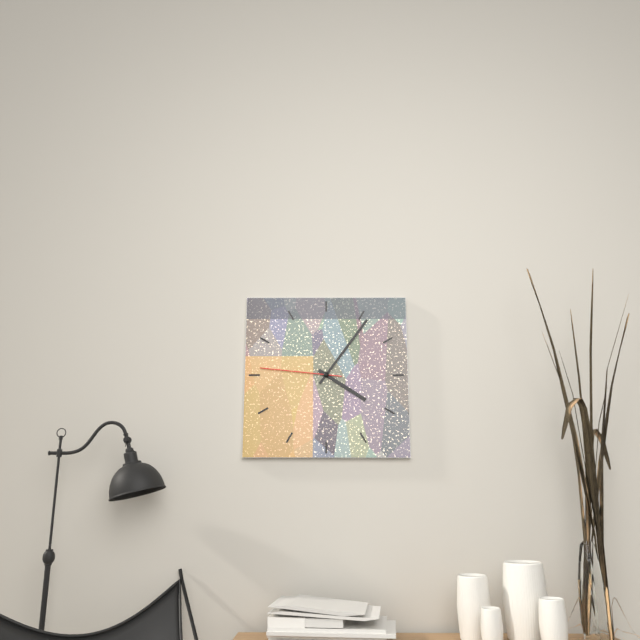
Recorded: h=4 m=6 s=46
